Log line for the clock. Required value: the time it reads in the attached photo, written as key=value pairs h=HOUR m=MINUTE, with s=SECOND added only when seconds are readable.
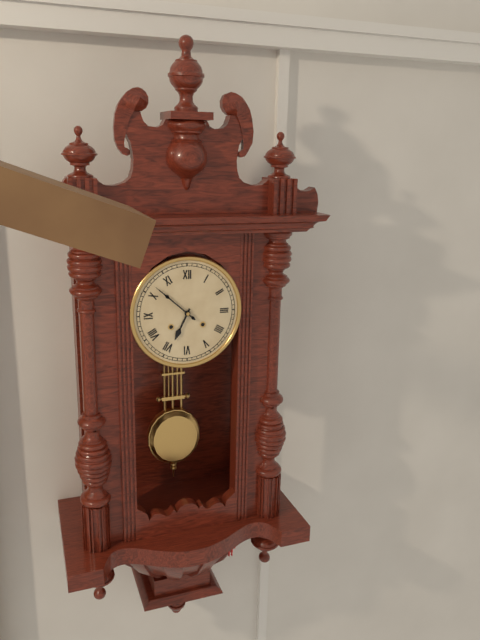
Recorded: h=6 m=52
